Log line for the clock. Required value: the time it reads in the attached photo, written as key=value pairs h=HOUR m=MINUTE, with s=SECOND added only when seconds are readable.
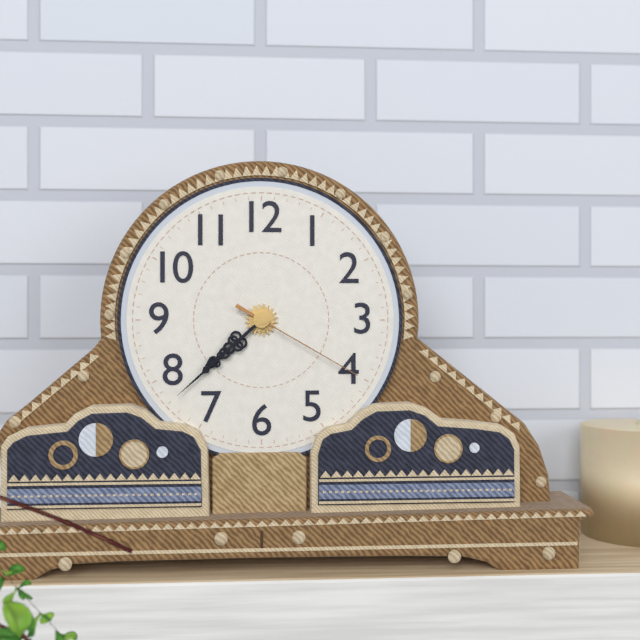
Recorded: h=7 m=38 s=20
